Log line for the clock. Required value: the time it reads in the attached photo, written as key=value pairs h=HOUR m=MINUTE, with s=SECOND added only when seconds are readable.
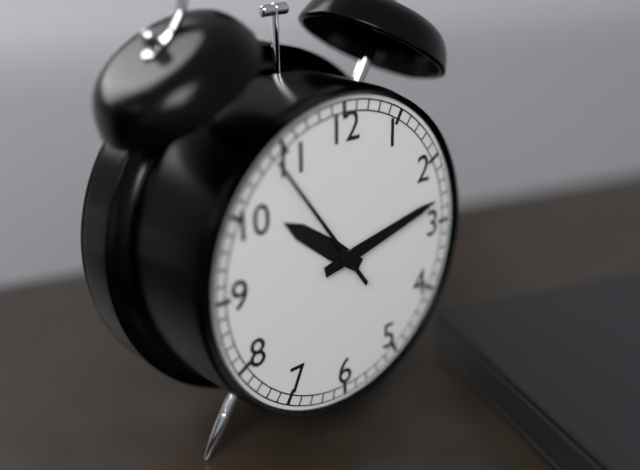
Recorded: h=10 m=13 s=54
